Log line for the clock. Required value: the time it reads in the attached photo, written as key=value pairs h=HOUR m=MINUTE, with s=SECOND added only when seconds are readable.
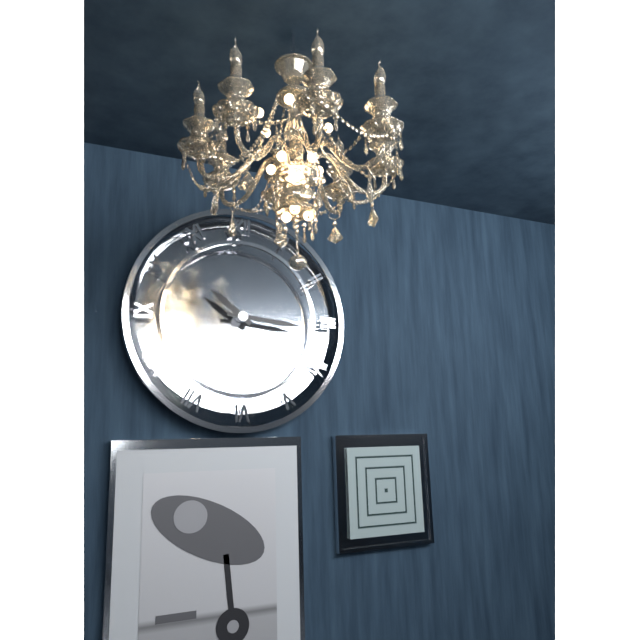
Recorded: h=10 m=16
